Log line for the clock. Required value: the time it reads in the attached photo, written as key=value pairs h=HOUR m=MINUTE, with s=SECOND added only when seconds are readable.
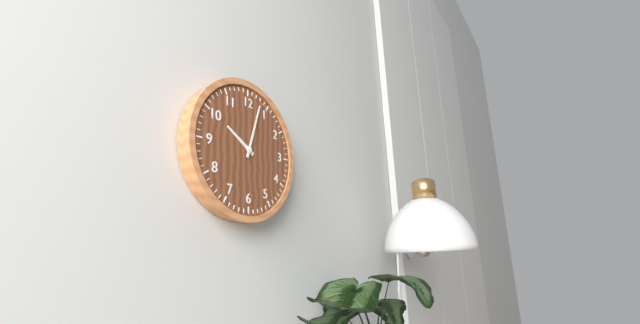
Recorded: h=10 m=3
